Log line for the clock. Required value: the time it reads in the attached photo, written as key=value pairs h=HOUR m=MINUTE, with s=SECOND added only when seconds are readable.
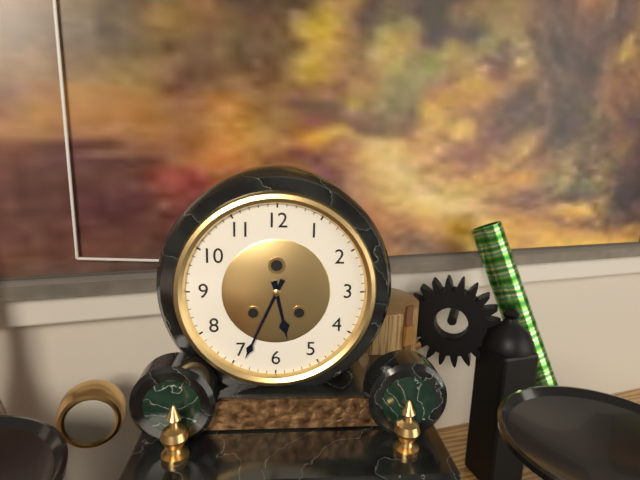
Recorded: h=5 m=34
